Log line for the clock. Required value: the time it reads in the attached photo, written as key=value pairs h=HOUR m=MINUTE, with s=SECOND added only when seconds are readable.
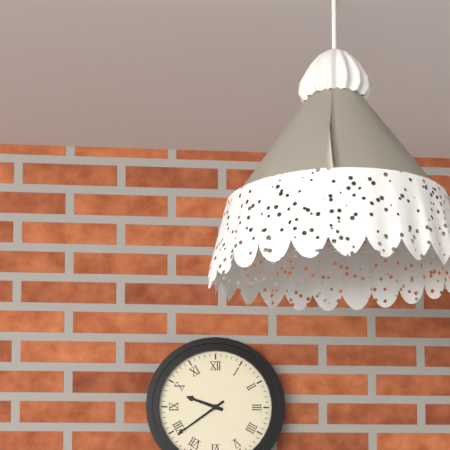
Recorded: h=9 m=39
